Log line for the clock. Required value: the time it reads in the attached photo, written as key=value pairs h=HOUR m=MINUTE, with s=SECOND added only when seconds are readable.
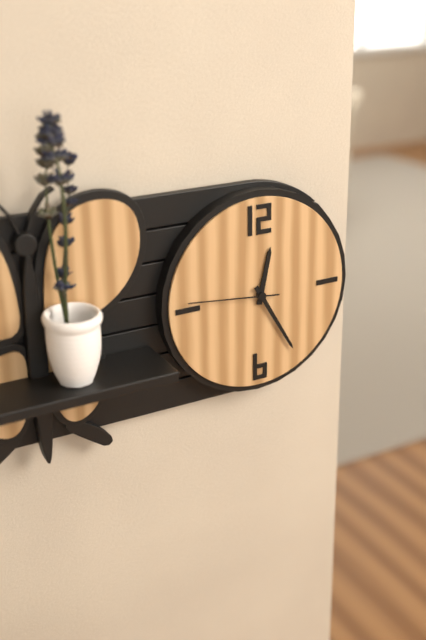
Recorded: h=12 m=25 s=46
